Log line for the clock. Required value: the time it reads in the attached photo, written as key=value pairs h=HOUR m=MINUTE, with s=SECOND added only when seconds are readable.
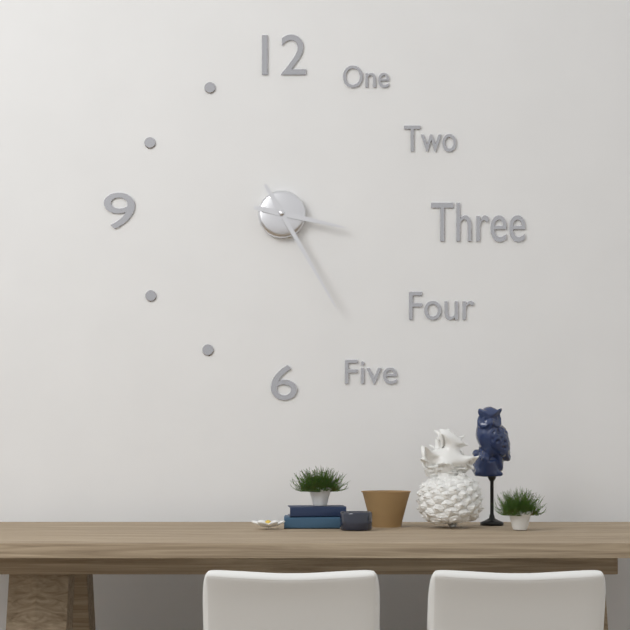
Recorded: h=3 m=25
